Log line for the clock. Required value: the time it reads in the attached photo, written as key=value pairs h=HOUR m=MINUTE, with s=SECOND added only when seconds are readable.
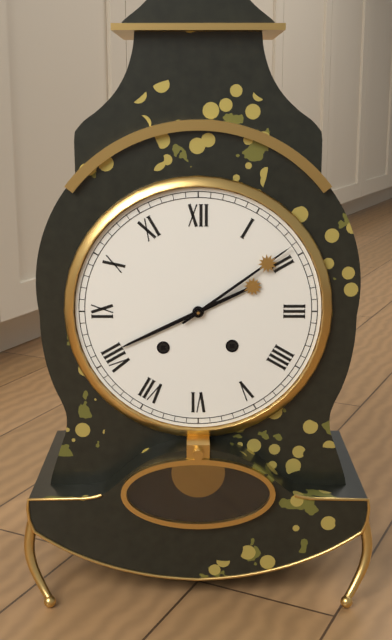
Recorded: h=8 m=9
